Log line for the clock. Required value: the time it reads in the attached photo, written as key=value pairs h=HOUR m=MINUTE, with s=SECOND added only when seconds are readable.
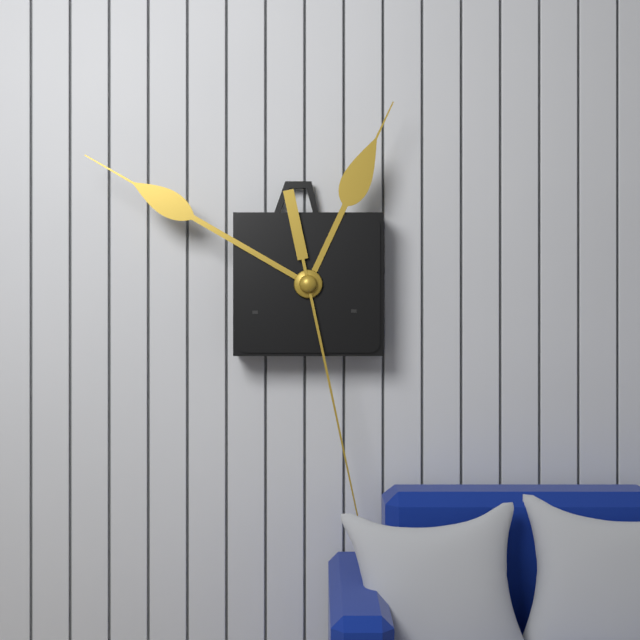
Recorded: h=12 m=50 s=28
